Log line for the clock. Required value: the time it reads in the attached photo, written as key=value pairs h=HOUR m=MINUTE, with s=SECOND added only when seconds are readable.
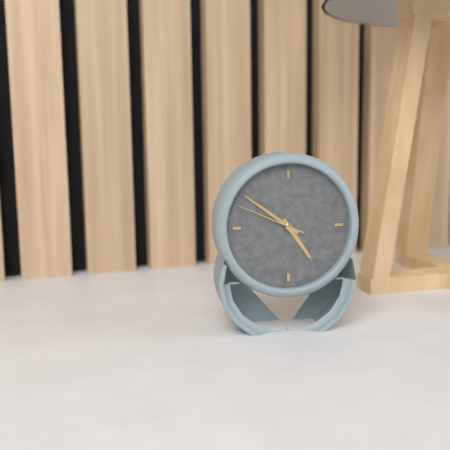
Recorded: h=4 m=51 s=49
